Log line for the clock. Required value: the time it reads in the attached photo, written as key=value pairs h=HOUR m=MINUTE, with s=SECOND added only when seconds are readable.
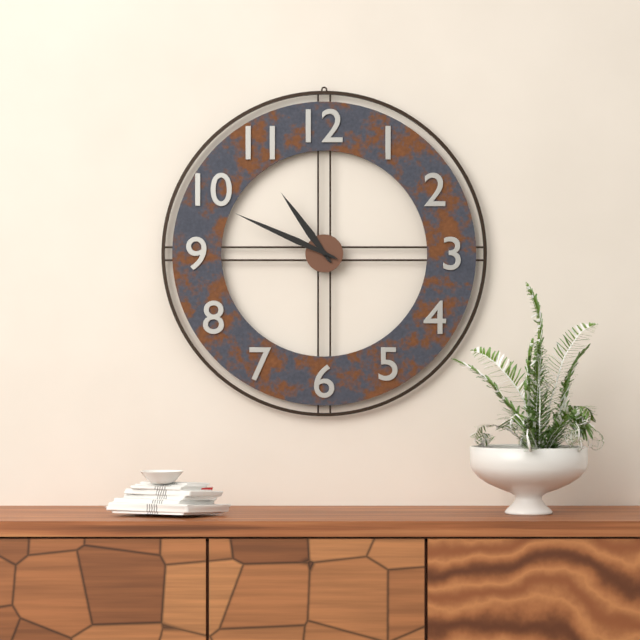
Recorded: h=10 m=49
